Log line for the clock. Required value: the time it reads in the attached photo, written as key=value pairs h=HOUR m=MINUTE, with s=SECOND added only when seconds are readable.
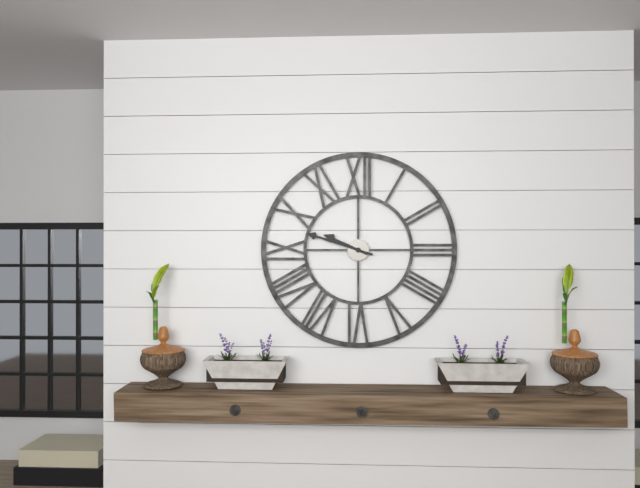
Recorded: h=9 m=48
